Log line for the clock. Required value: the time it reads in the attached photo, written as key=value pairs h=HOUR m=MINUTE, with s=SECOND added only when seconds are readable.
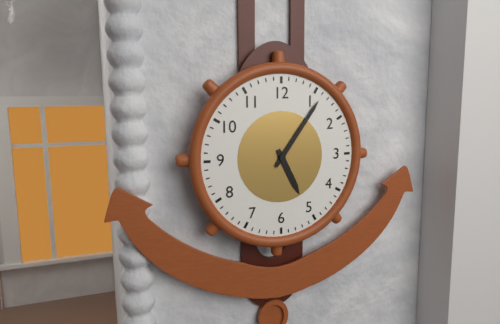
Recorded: h=5 m=6
